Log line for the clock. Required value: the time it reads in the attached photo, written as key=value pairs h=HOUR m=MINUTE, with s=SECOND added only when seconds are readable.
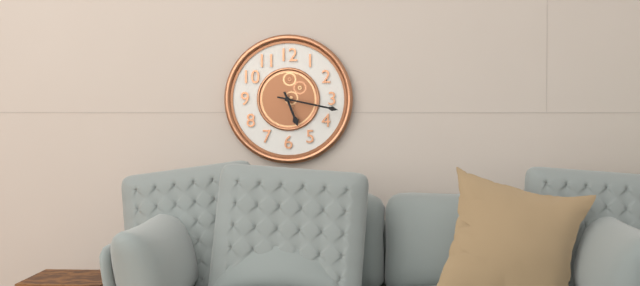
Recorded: h=5 m=17
